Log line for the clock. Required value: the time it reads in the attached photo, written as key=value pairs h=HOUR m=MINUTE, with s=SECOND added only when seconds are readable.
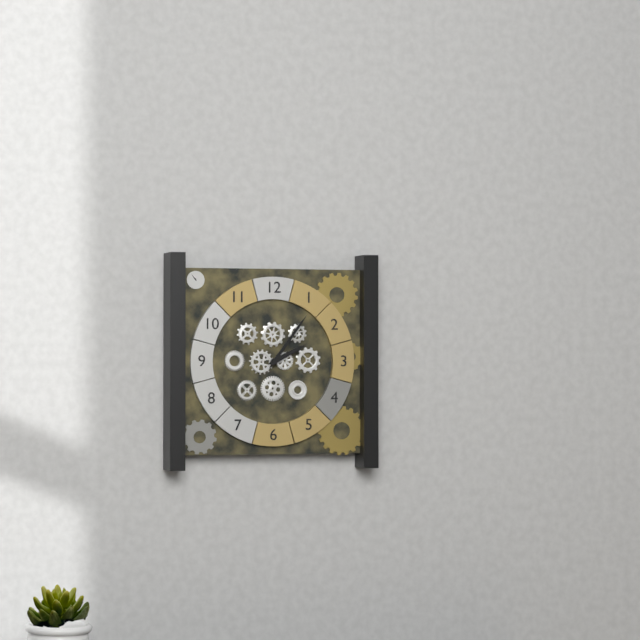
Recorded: h=2 m=6
